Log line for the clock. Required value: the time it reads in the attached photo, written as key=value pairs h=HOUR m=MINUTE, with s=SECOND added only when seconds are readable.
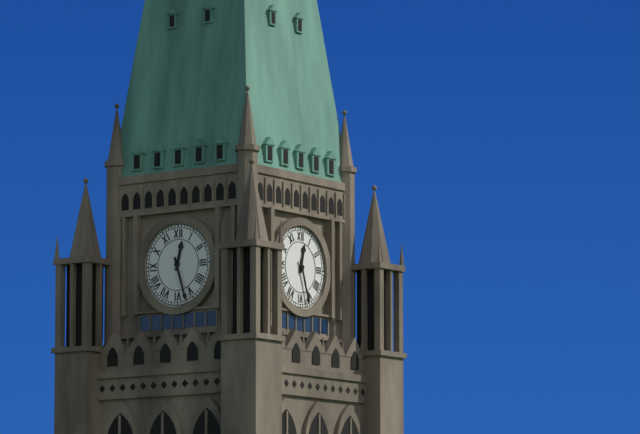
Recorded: h=12 m=27
